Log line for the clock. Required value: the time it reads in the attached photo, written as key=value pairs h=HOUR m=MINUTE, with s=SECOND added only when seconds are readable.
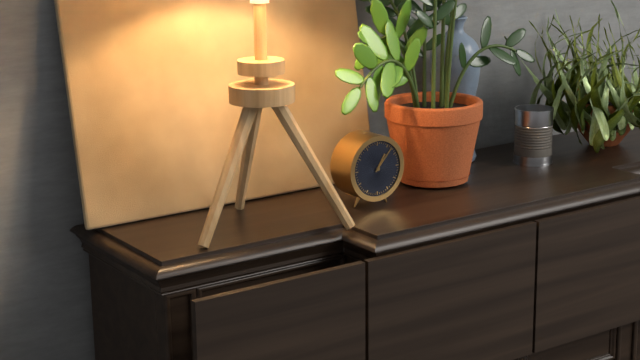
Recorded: h=1 m=7
